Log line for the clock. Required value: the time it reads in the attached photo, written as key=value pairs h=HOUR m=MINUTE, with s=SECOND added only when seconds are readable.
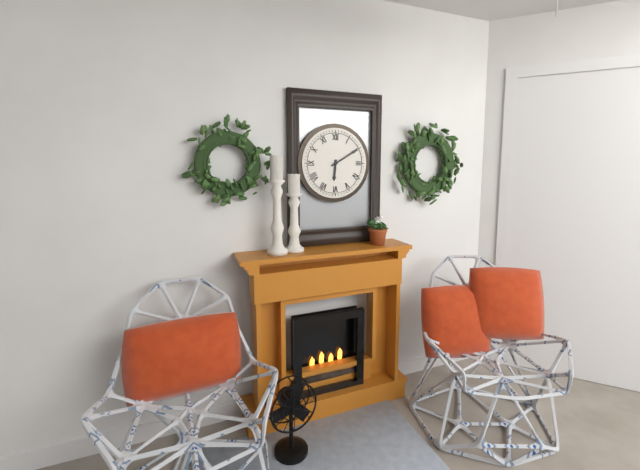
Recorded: h=6 m=10
